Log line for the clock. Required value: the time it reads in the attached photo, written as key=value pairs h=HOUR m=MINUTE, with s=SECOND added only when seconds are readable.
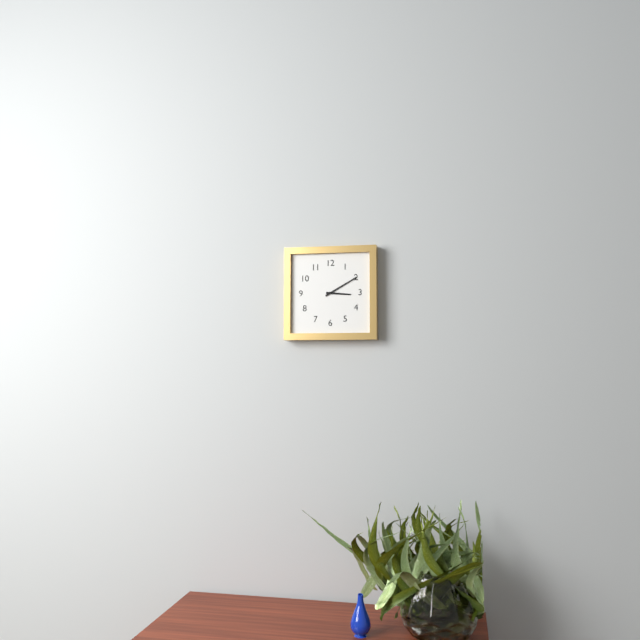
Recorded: h=3 m=10
